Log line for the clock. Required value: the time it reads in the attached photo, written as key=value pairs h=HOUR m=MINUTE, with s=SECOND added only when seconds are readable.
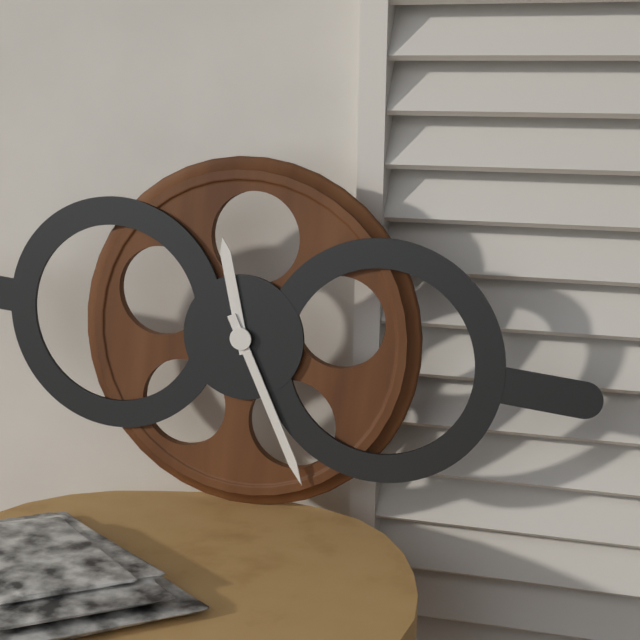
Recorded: h=11 m=25
